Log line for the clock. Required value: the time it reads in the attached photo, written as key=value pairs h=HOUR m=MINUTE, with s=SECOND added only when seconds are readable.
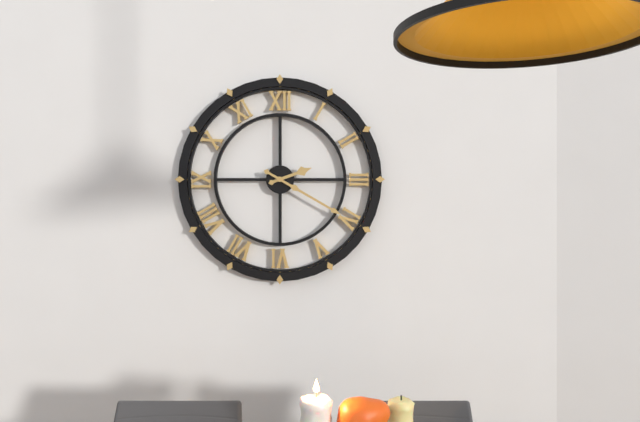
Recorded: h=2 m=20
